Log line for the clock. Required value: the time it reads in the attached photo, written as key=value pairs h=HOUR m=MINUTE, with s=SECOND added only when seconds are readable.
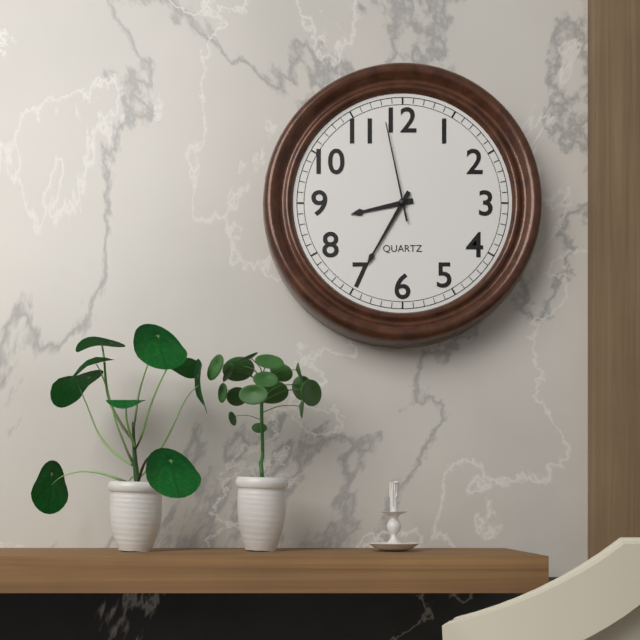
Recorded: h=8 m=35 s=58
